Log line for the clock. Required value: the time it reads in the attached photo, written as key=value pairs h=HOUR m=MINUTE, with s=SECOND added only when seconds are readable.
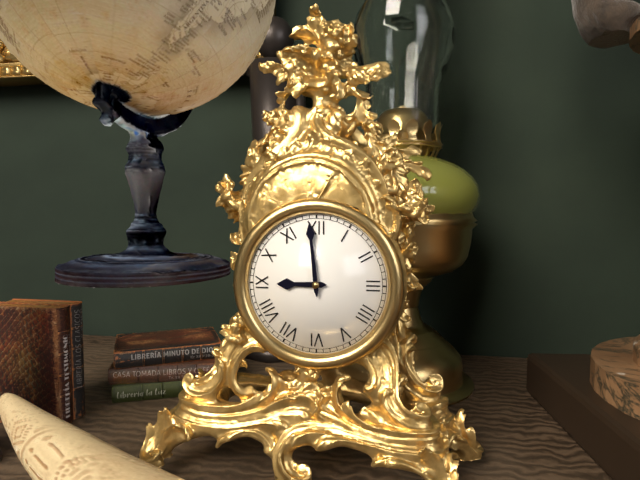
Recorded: h=8 m=59
